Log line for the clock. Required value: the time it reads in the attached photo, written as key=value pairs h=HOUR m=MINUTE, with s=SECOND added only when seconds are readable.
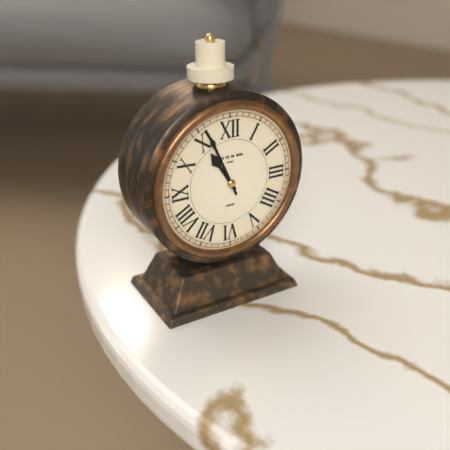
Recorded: h=10 m=56
